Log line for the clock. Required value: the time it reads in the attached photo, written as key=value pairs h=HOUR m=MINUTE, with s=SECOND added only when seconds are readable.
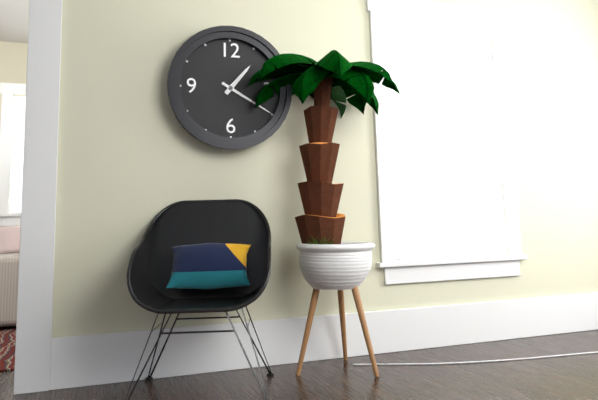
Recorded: h=1 m=20
